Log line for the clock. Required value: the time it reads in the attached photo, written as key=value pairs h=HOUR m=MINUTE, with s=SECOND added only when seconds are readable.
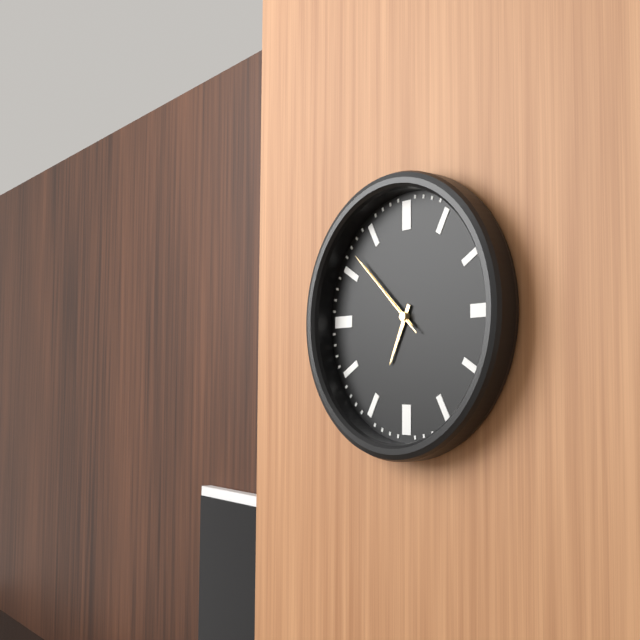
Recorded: h=6 m=52 s=52
